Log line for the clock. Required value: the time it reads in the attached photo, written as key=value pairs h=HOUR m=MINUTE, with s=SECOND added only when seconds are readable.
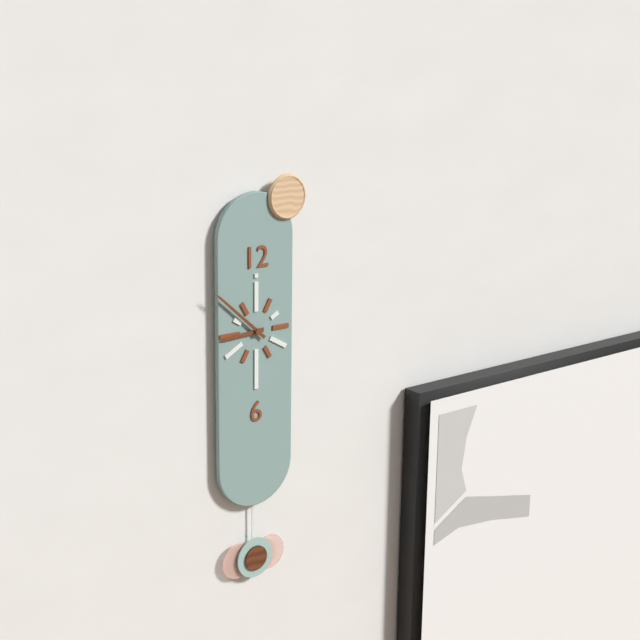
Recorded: h=8 m=52
